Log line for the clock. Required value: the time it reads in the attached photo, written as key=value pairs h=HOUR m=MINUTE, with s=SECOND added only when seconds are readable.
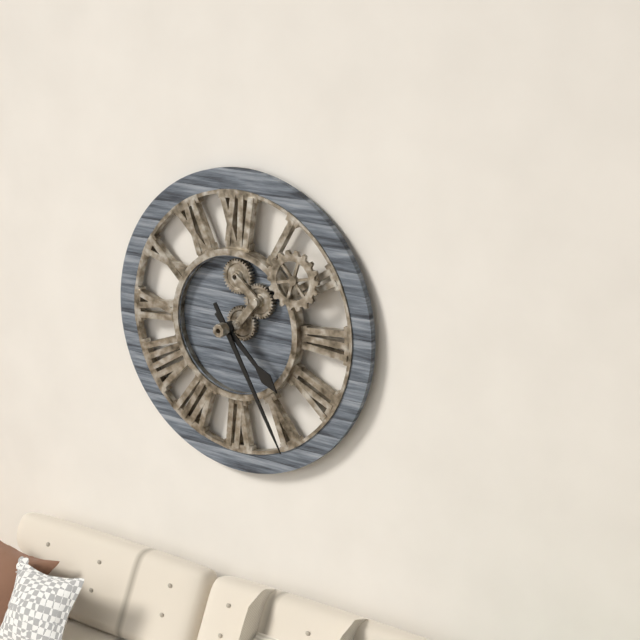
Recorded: h=4 m=25
